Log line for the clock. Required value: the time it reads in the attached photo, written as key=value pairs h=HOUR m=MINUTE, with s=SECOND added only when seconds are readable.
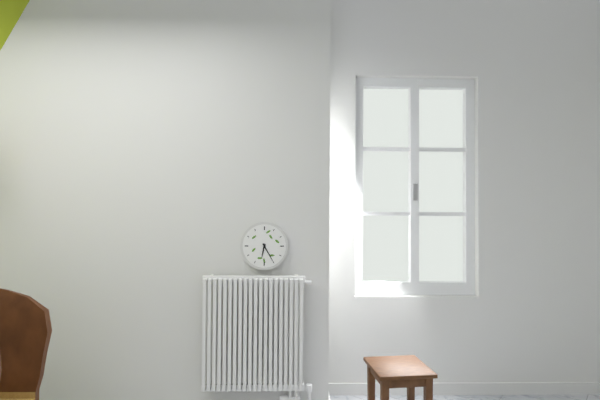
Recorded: h=6 m=25
